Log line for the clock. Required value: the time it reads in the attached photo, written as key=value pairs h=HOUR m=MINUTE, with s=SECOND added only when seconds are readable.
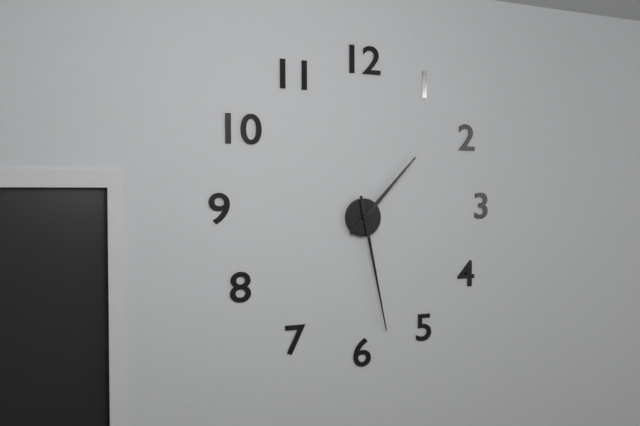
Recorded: h=1 m=28
